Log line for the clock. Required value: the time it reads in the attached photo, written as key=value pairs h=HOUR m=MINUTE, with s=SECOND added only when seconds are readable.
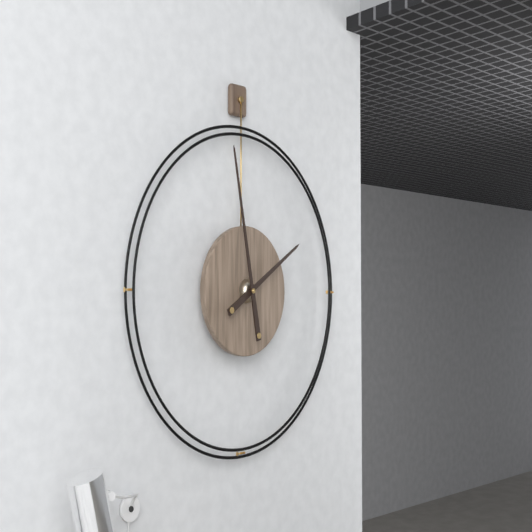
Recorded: h=1 m=58
